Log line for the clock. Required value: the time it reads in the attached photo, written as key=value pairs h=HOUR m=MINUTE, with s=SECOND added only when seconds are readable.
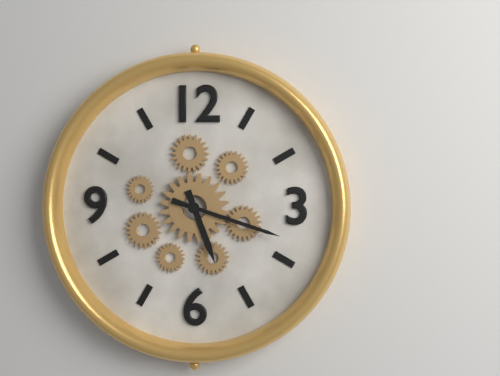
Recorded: h=5 m=18
